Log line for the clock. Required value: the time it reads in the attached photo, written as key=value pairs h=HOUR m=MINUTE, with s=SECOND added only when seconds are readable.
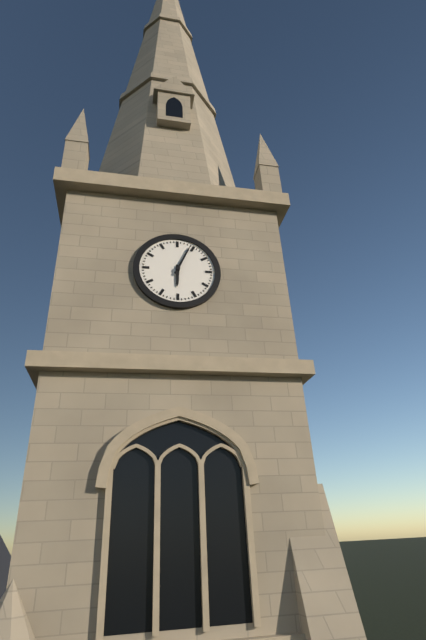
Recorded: h=6 m=4
